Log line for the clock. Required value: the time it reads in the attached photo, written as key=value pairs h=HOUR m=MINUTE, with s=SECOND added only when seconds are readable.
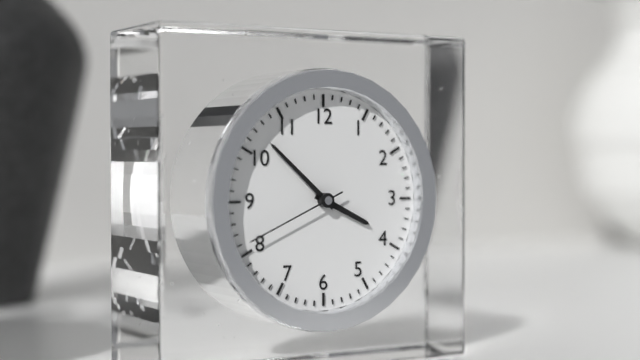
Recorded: h=3 m=52 s=41
